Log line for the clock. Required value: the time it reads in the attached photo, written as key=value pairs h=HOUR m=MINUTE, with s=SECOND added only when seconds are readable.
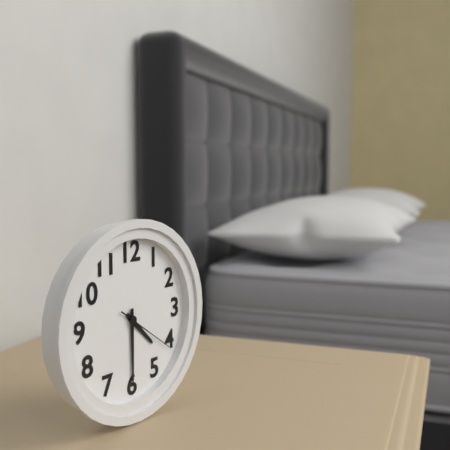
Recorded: h=4 m=30 s=21
